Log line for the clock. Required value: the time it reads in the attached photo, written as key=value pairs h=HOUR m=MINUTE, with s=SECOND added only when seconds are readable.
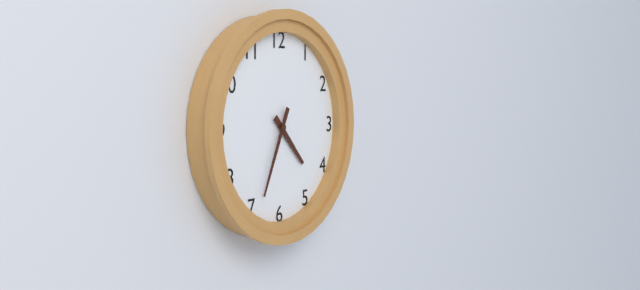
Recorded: h=4 m=34
